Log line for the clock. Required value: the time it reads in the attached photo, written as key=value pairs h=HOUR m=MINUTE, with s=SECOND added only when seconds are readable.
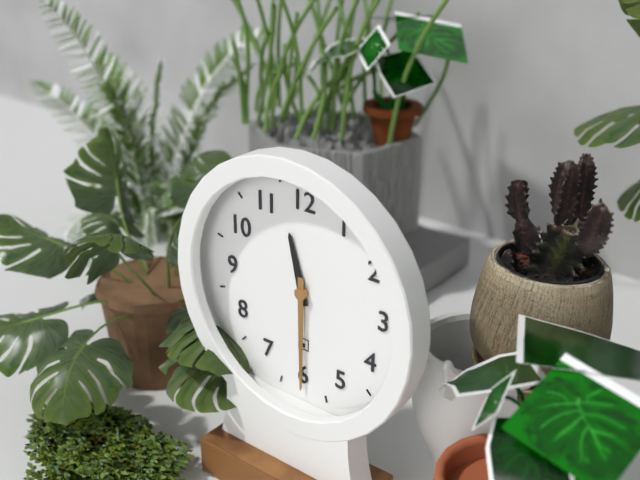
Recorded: h=11 m=30
